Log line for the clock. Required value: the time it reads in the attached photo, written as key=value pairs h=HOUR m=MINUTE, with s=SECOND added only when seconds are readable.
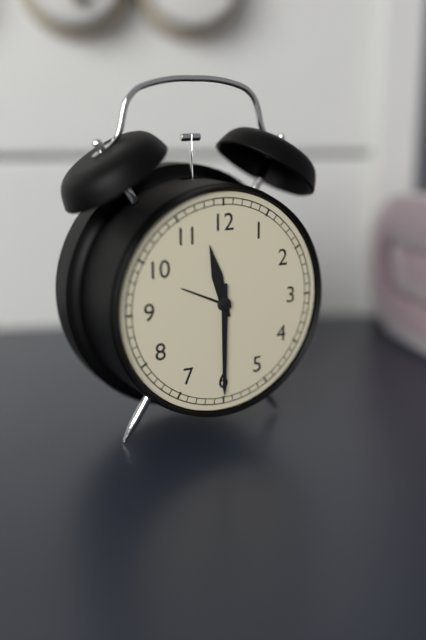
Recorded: h=11 m=30
